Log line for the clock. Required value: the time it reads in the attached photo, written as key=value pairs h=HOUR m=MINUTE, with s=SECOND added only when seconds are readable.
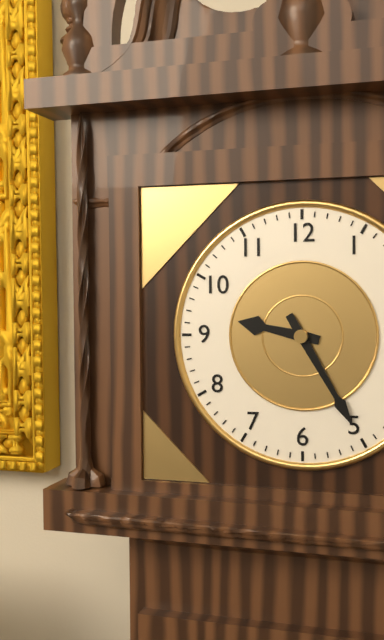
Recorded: h=9 m=25
